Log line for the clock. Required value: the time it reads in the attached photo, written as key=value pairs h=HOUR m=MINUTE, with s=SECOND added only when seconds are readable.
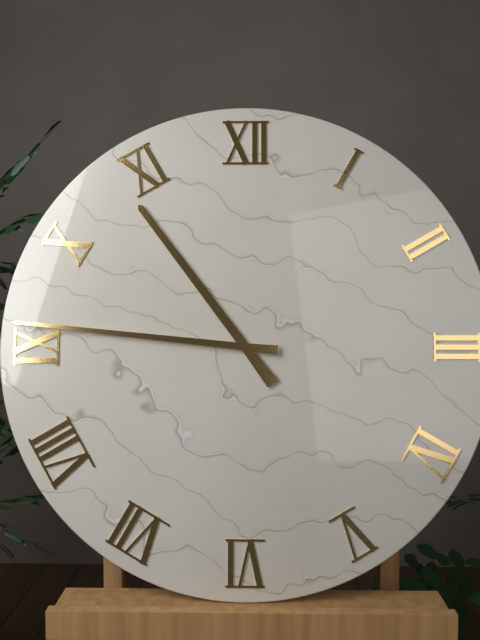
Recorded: h=10 m=46
